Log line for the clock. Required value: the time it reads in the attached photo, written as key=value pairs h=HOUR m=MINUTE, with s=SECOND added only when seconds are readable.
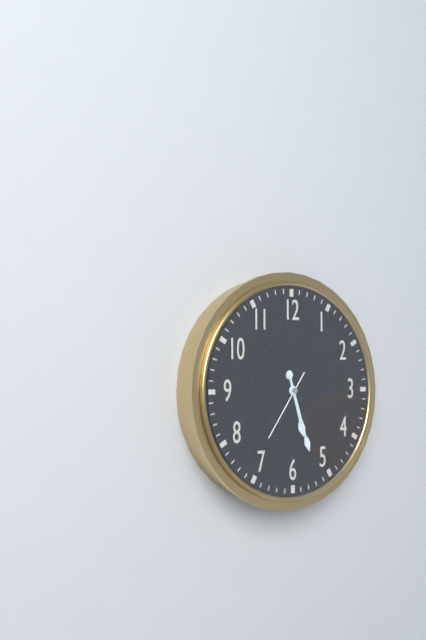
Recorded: h=5 m=27 s=36
